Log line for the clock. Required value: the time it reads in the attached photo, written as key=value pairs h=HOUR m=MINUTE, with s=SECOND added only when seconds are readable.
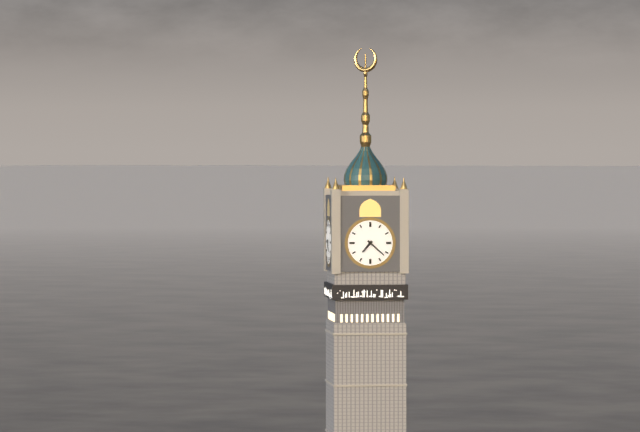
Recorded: h=7 m=22
